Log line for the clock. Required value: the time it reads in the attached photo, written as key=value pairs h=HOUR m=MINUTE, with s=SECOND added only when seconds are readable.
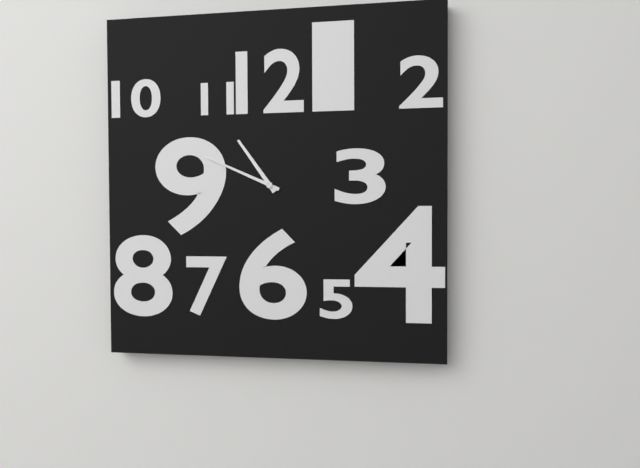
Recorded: h=10 m=49
